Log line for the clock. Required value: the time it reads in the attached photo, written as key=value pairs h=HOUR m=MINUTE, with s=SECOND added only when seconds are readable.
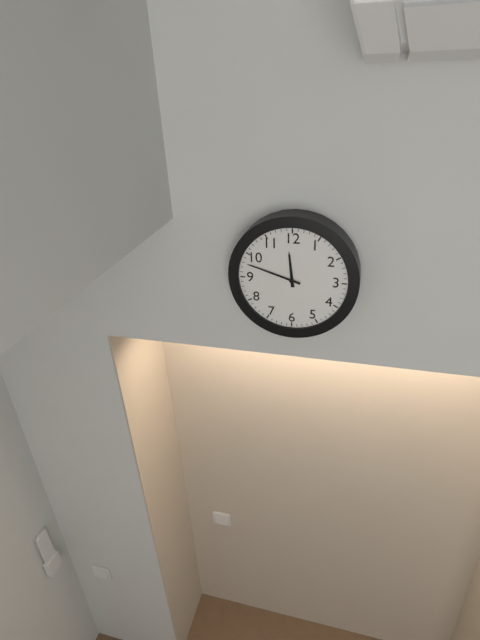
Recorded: h=11 m=48
